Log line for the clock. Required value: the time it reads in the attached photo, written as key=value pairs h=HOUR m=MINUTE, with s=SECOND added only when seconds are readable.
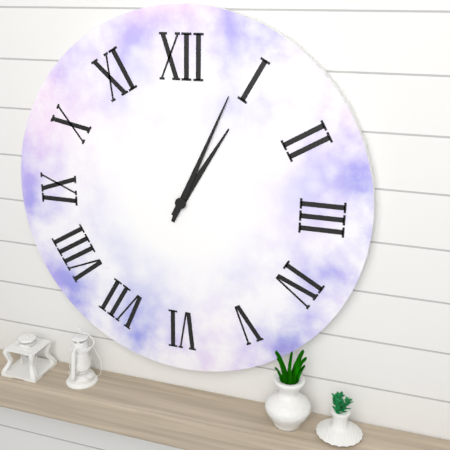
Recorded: h=1 m=4
